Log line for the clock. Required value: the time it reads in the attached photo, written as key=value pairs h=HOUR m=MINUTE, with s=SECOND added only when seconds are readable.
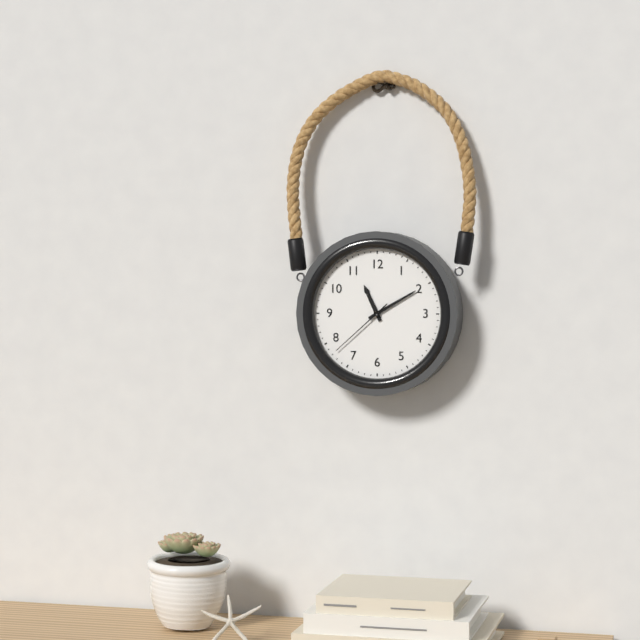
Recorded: h=11 m=10 s=38
